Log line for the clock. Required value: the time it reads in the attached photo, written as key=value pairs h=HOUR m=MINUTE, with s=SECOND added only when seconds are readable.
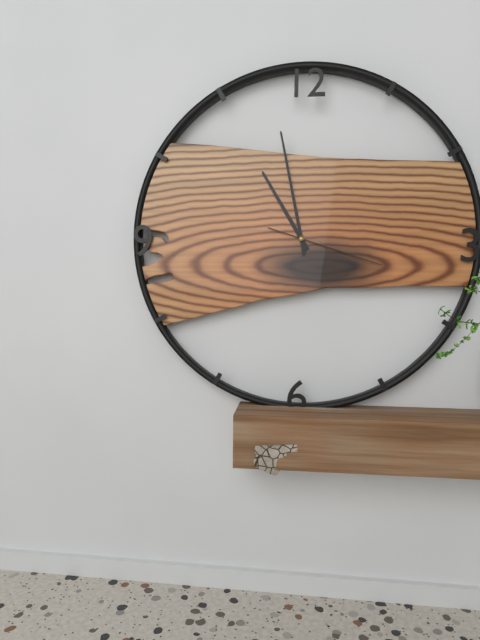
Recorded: h=10 m=58 s=18
